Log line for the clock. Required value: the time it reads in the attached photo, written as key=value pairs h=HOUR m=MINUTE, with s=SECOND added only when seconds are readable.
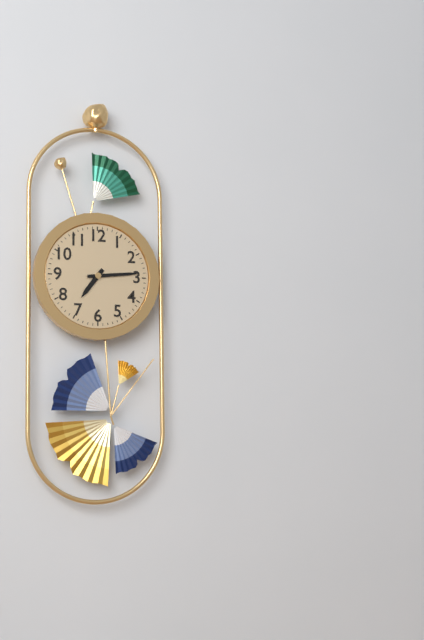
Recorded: h=7 m=14
